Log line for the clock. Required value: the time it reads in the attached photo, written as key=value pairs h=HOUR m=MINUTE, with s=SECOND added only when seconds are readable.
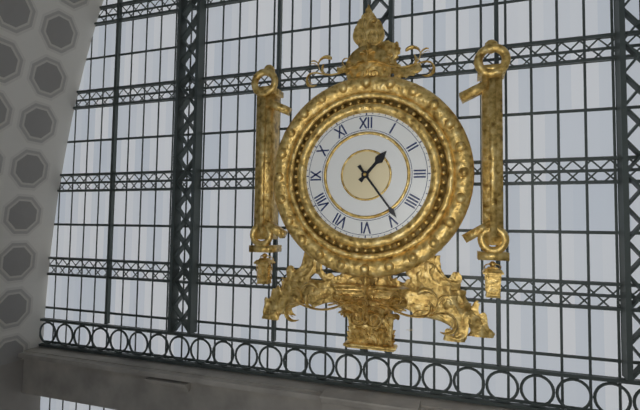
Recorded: h=1 m=24
